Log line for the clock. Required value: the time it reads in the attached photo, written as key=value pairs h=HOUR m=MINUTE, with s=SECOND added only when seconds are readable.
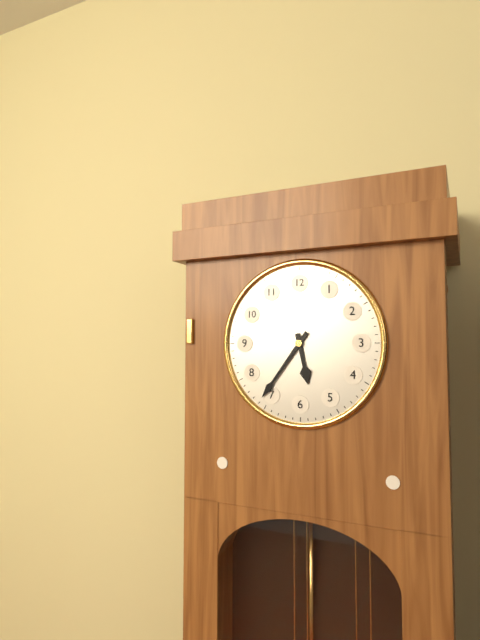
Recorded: h=5 m=36
